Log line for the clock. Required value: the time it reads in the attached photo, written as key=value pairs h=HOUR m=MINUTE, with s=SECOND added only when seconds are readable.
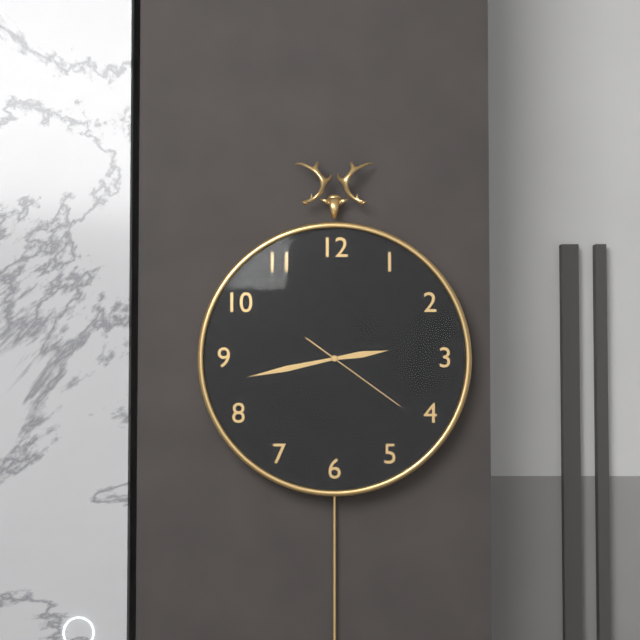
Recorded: h=2 m=43 s=21
